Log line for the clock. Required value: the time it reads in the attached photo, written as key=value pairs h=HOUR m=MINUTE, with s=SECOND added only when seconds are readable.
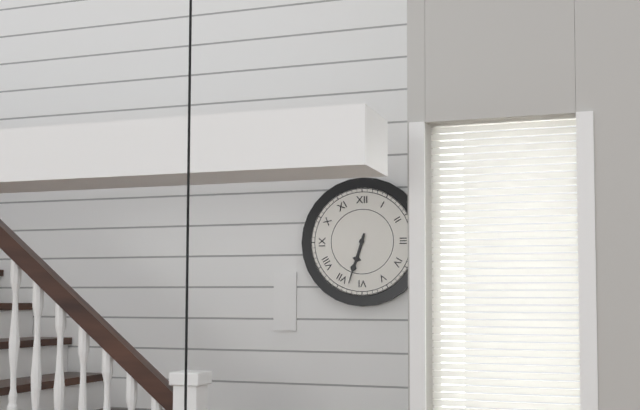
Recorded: h=6 m=33
